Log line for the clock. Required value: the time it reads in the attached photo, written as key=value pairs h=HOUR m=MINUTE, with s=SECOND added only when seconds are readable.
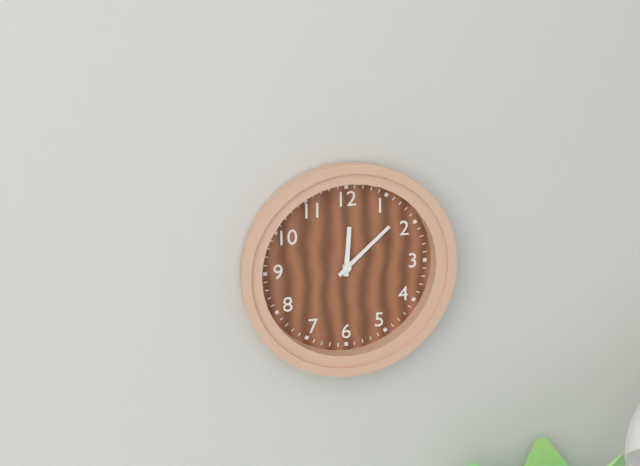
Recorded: h=12 m=8
